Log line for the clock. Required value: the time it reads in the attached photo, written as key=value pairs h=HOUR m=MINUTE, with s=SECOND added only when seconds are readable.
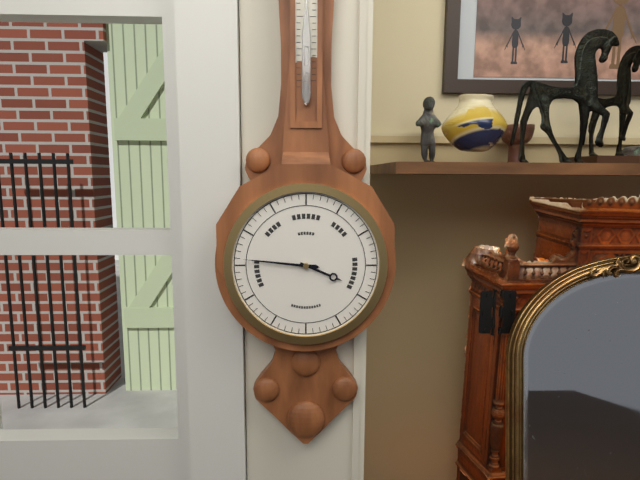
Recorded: h=3 m=46
